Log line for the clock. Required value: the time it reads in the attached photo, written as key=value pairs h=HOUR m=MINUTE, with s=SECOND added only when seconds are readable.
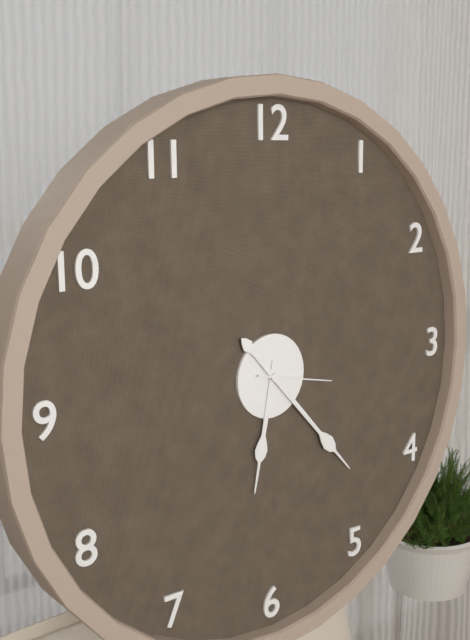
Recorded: h=6 m=23 s=17
